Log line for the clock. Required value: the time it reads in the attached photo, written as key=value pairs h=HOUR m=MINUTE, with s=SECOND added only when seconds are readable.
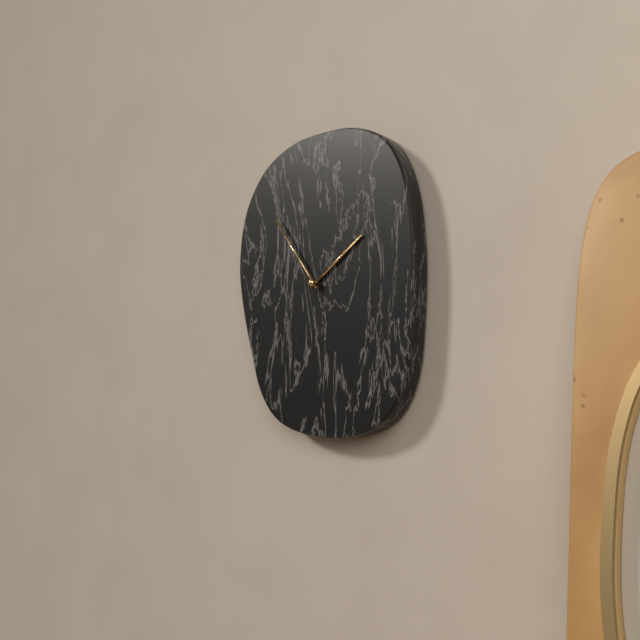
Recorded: h=1 m=54
